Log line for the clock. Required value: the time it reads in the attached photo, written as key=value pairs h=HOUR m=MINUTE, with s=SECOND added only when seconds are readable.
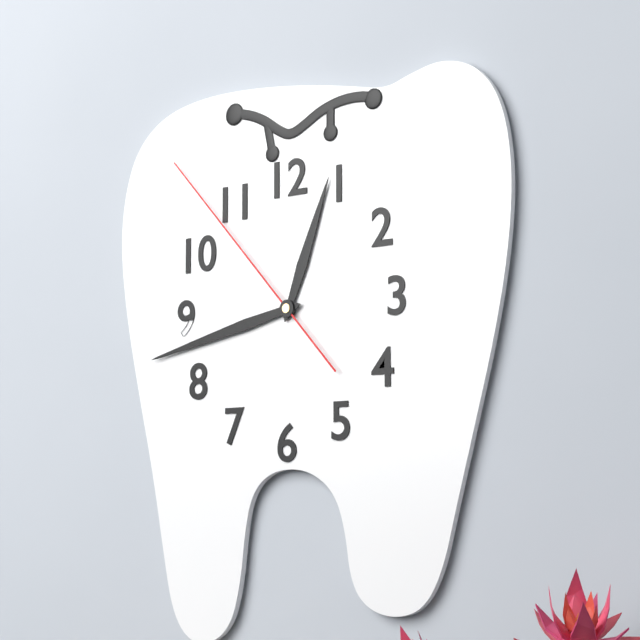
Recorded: h=12 m=43 s=53
